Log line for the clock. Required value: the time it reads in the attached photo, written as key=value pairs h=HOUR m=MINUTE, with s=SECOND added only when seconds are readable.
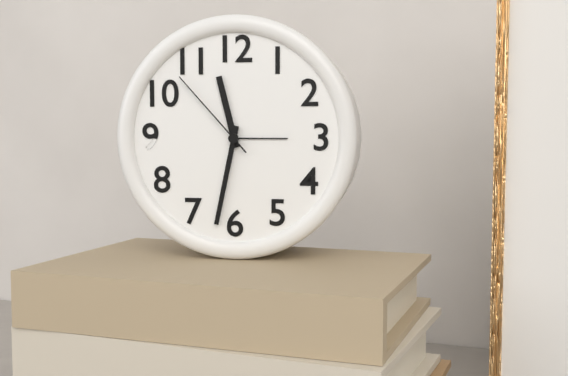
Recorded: h=11 m=32 s=53
